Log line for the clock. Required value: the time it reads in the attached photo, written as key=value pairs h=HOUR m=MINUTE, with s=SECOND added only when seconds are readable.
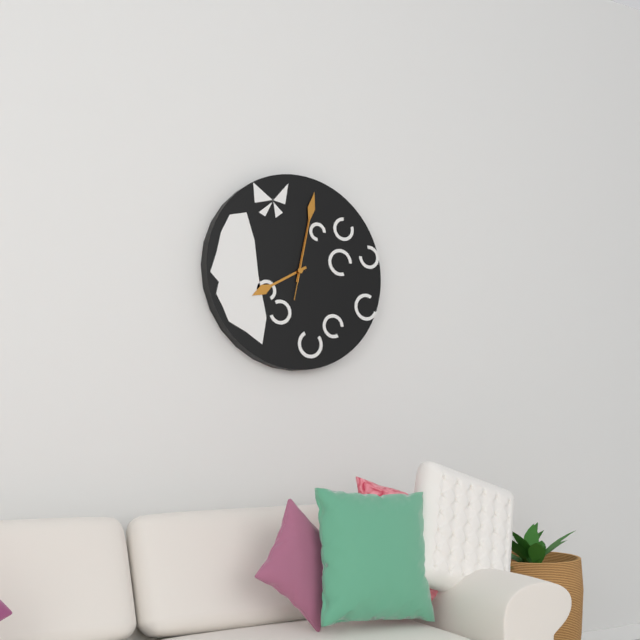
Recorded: h=8 m=2 s=2
